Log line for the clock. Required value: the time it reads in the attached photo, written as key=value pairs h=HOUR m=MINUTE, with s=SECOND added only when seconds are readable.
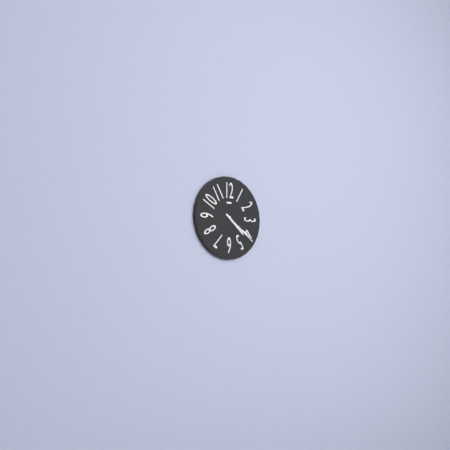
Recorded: h=4 m=21
